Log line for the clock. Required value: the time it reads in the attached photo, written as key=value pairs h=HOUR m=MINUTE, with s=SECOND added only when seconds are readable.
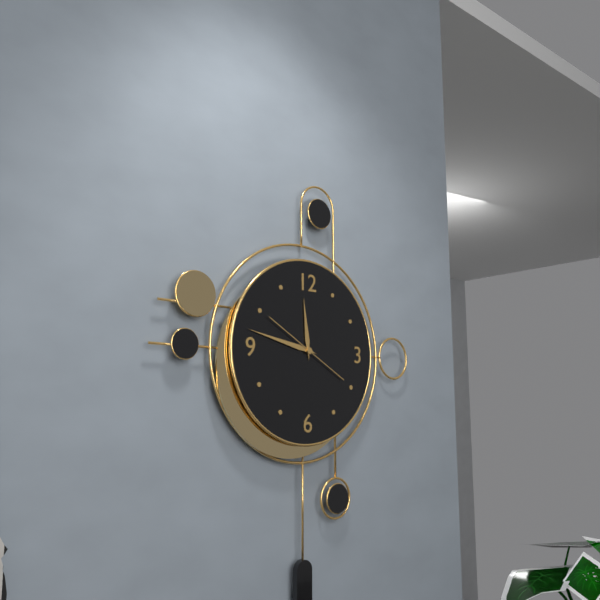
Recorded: h=11 m=47 s=50
